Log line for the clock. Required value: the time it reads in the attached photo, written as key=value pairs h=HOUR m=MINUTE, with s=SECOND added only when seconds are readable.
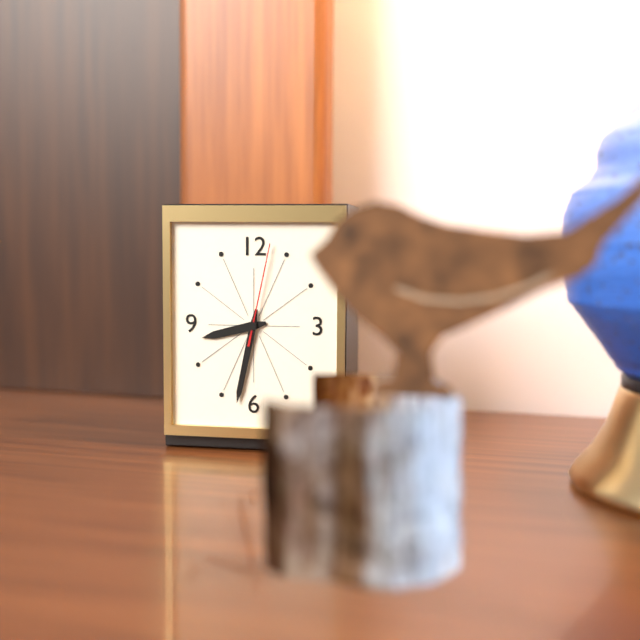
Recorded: h=8 m=32 s=2
